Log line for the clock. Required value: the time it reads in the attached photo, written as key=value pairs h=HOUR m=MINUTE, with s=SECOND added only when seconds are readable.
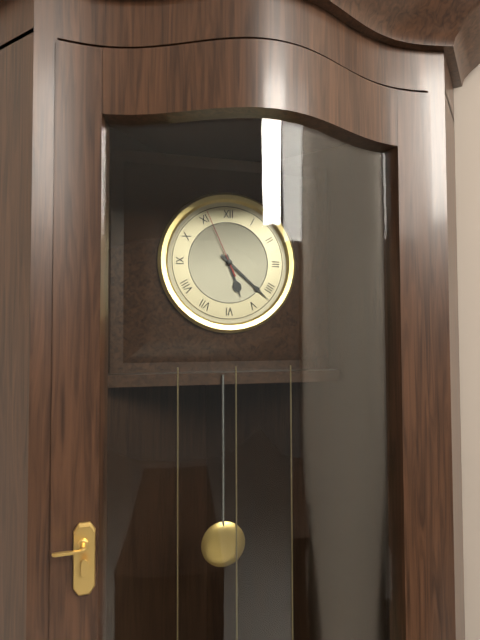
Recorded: h=5 m=22 s=56
